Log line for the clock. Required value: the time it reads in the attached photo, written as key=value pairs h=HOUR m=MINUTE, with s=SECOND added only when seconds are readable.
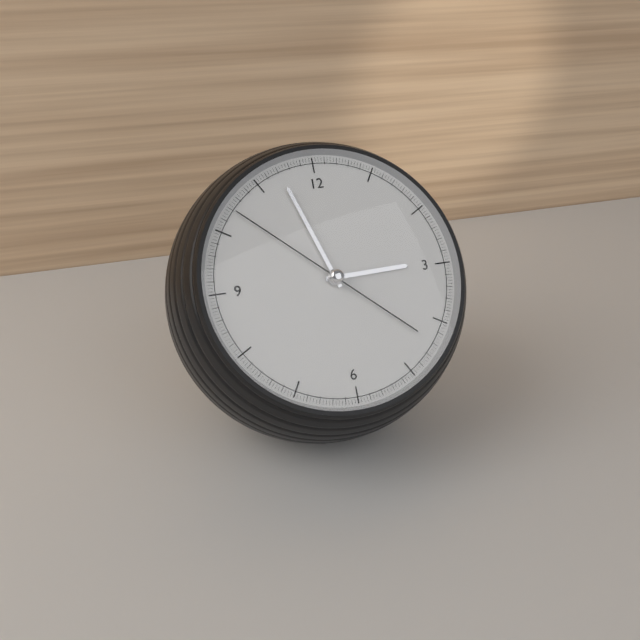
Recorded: h=2 m=57 s=52
